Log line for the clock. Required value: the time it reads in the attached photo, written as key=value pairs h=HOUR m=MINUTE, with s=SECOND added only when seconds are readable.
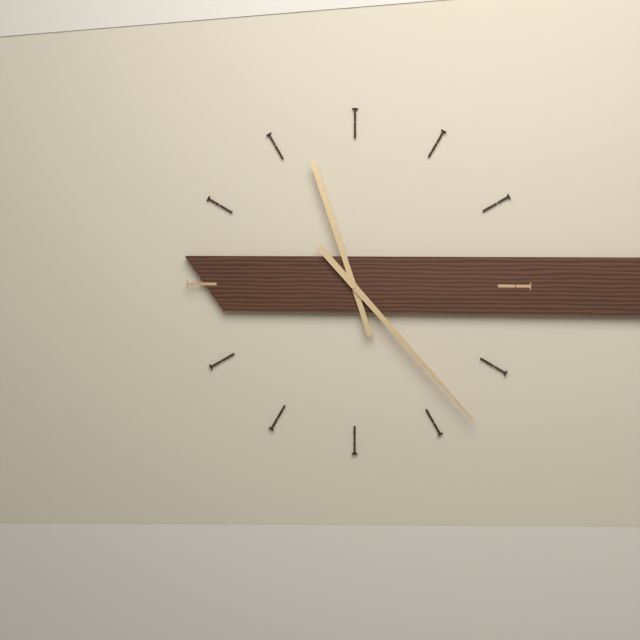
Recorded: h=11 m=23
